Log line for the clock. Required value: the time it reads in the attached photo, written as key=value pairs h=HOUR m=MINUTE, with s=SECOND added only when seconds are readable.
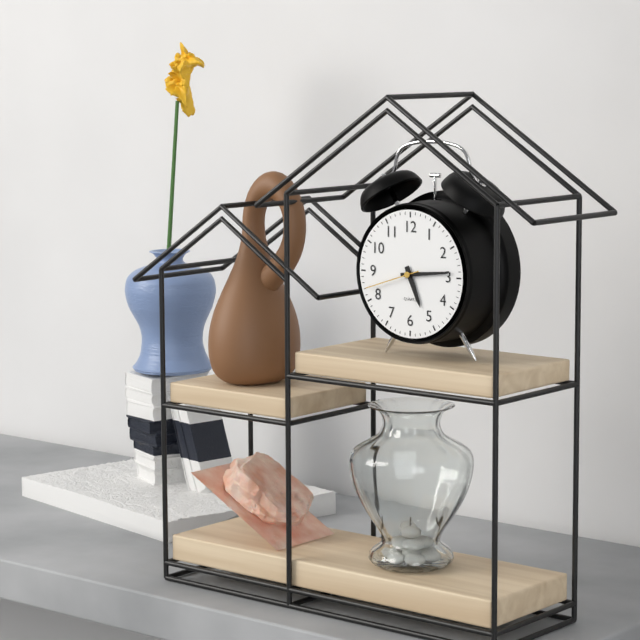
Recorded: h=5 m=14 s=42
